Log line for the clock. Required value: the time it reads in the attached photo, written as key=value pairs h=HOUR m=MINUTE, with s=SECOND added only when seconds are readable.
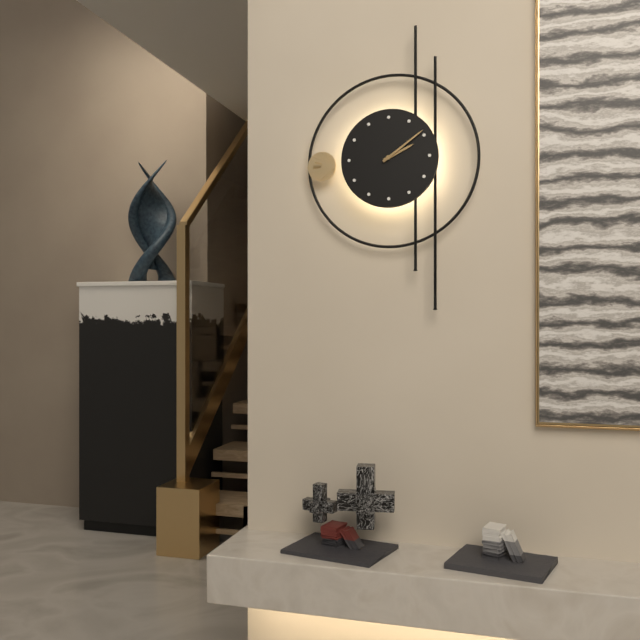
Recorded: h=2 m=9
